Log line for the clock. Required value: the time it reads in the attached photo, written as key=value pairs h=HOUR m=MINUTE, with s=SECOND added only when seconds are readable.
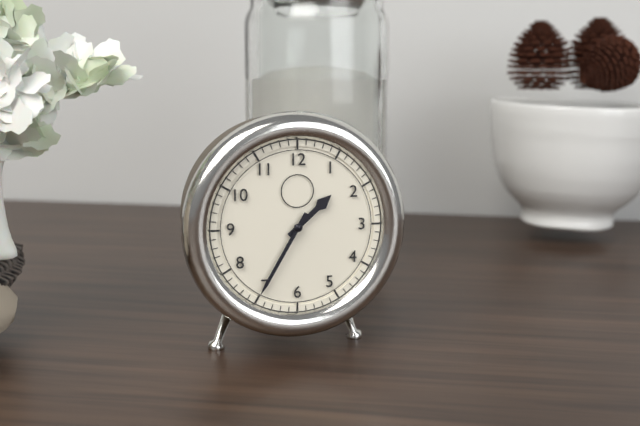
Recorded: h=1 m=35
